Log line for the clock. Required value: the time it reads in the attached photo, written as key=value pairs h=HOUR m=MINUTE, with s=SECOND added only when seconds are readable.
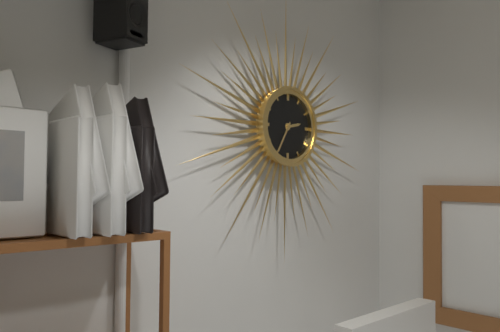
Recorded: h=2 m=35
